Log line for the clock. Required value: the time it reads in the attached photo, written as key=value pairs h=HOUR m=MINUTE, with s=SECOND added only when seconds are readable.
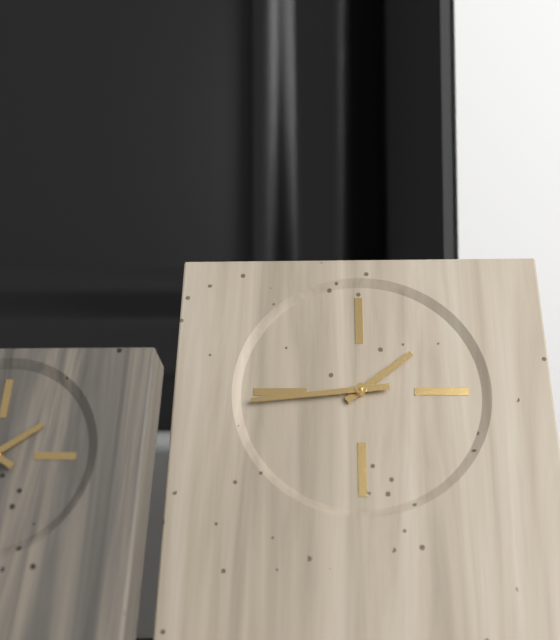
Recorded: h=1 m=44
